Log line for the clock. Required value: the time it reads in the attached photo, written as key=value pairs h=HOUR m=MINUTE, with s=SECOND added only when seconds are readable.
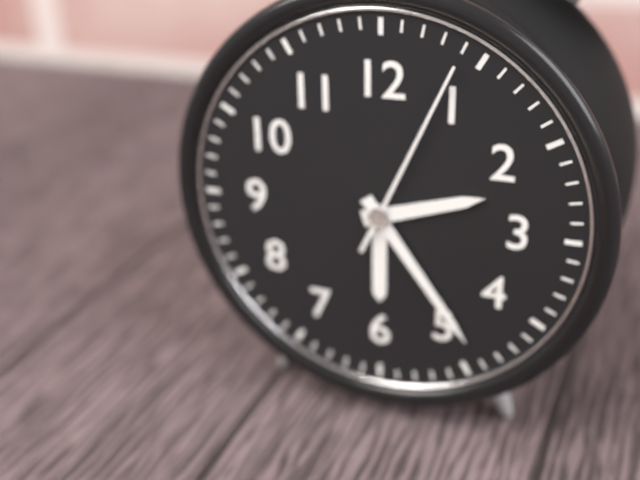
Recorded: h=2 m=24 s=4
